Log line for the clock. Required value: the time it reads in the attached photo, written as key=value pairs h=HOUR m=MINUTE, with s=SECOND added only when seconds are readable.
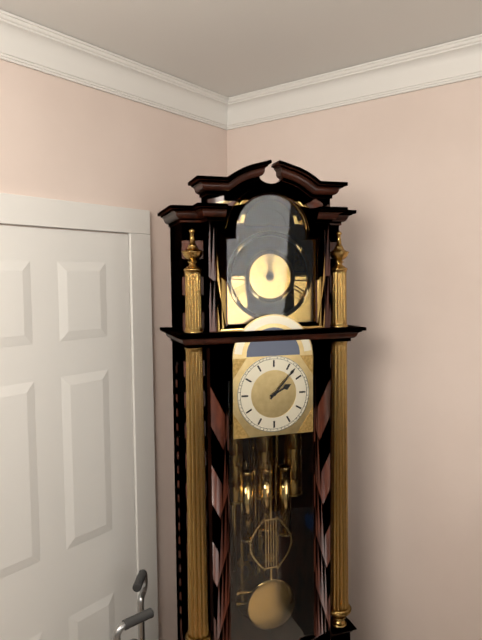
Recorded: h=2 m=7
